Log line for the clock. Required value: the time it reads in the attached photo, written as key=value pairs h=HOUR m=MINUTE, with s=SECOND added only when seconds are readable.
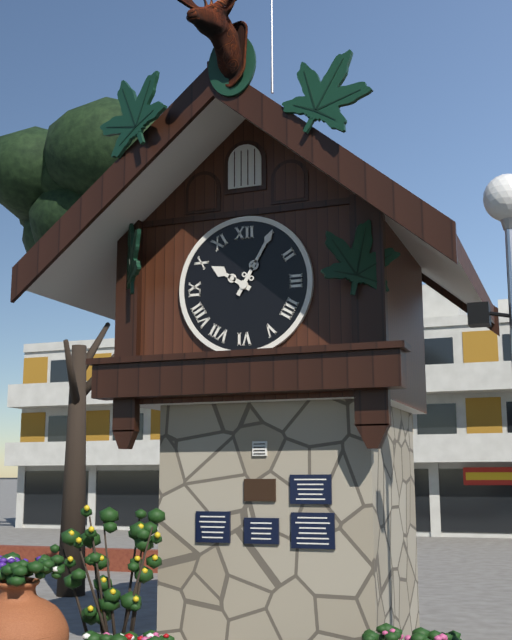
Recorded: h=10 m=5
